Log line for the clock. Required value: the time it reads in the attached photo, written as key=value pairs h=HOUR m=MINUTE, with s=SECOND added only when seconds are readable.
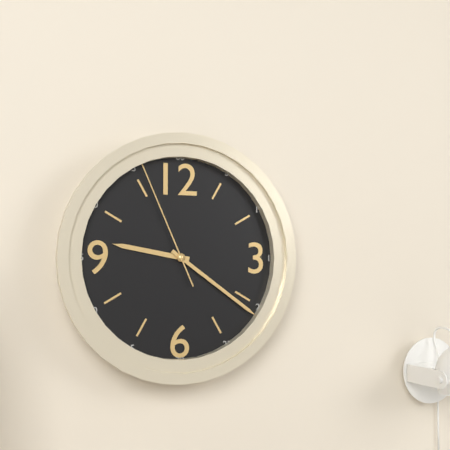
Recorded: h=9 m=21 s=56
